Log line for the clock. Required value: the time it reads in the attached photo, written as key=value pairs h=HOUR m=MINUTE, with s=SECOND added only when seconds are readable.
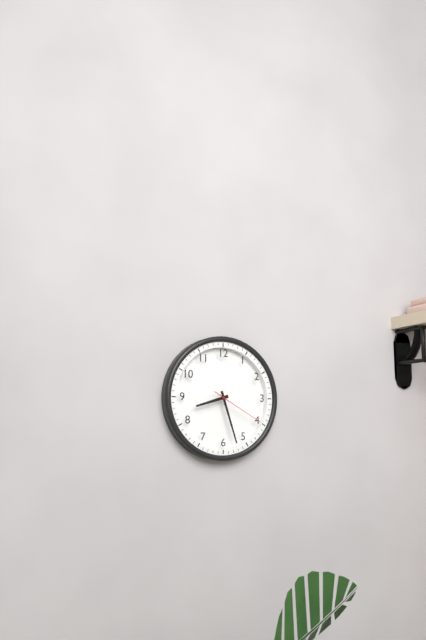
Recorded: h=8 m=27 s=20
